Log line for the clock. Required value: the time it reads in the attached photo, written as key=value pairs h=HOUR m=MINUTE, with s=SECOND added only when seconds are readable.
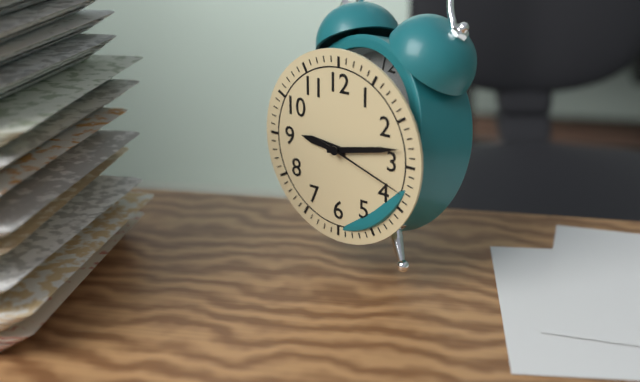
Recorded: h=9 m=13 s=18
